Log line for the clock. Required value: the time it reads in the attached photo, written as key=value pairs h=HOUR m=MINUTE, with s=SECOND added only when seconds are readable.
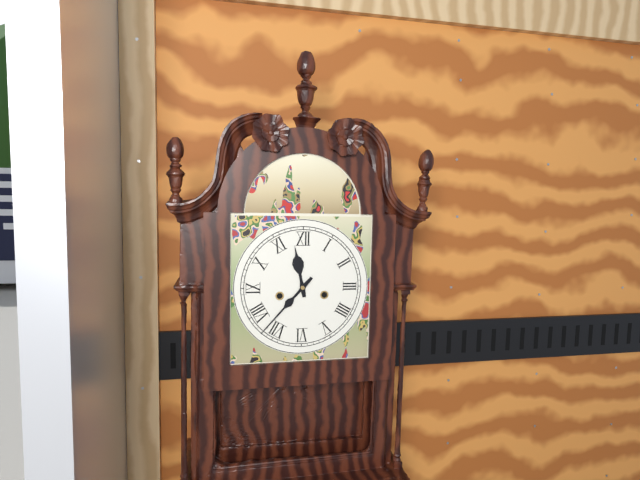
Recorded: h=11 m=37
